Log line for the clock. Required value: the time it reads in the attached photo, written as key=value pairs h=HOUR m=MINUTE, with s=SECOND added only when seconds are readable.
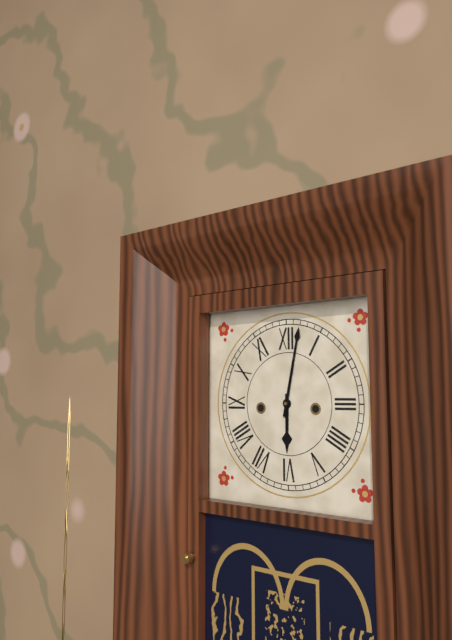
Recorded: h=6 m=2
